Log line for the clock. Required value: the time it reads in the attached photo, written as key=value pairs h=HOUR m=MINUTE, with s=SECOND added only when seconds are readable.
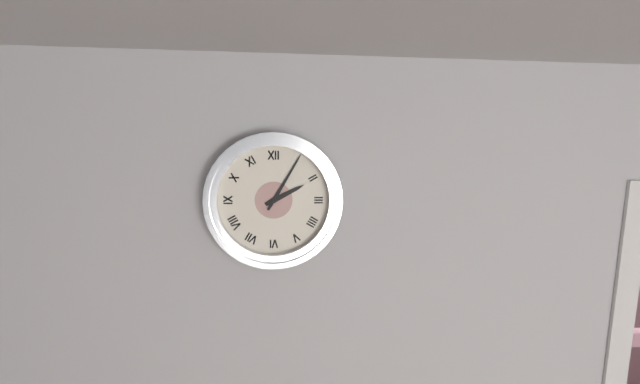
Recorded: h=2 m=5
